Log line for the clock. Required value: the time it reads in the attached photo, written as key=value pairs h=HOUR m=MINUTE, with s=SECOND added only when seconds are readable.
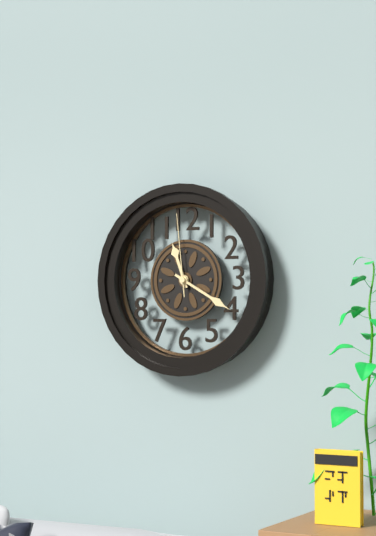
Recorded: h=11 m=20 s=59
